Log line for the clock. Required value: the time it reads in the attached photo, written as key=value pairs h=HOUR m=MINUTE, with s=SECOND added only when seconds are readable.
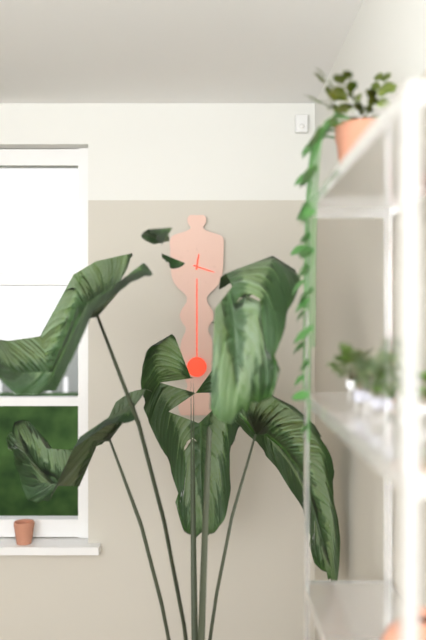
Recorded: h=12 m=18
